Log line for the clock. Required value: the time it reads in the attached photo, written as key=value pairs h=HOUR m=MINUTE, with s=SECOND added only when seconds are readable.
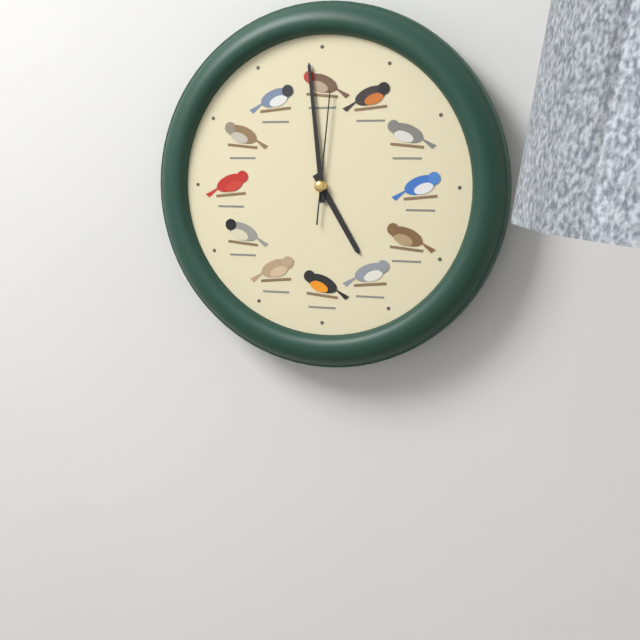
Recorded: h=4 m=59 s=1
